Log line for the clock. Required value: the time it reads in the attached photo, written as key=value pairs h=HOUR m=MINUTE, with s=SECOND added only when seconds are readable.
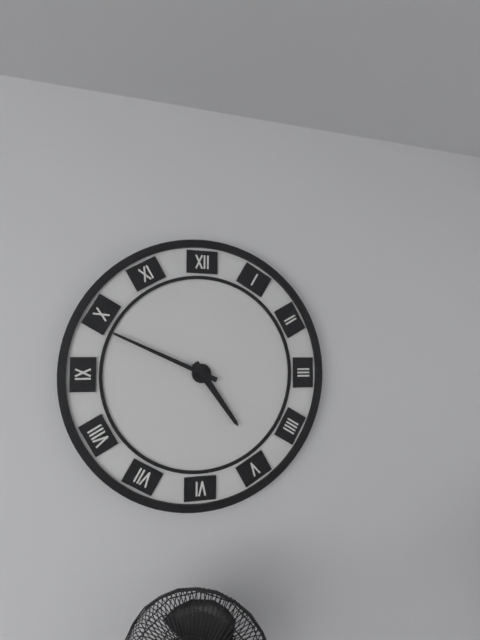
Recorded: h=4 m=49
